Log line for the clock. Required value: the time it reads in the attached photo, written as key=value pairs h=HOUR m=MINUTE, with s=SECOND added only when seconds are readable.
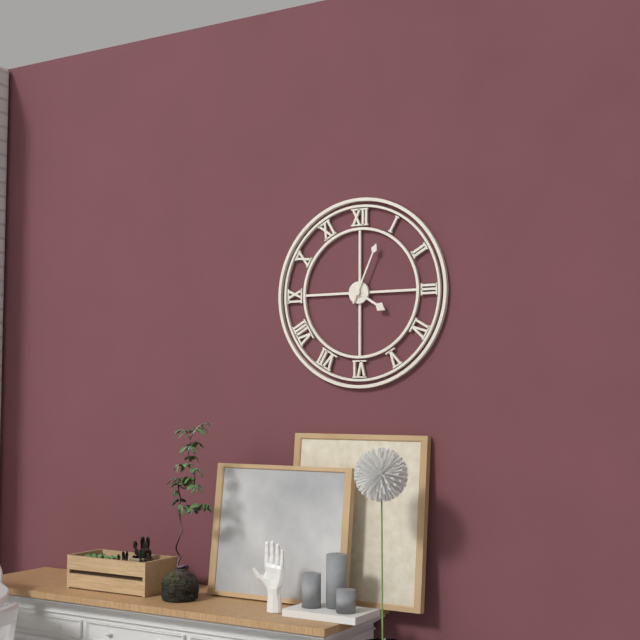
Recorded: h=4 m=4
